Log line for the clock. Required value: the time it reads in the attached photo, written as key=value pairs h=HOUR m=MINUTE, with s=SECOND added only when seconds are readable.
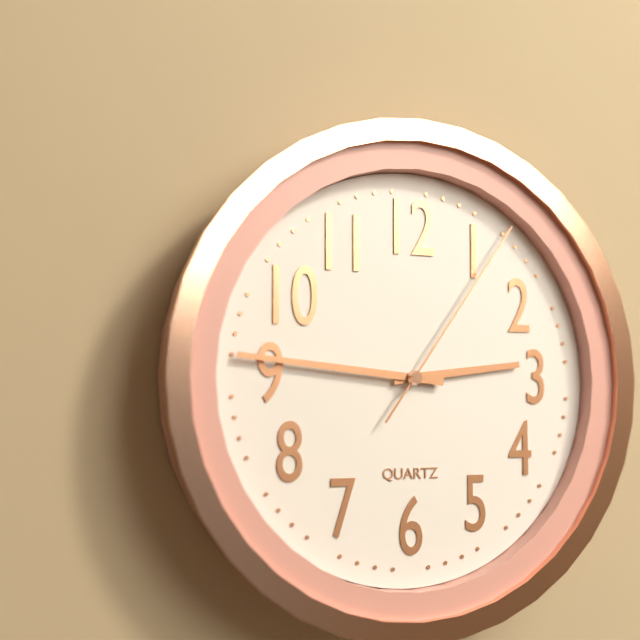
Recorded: h=2 m=46 s=6
